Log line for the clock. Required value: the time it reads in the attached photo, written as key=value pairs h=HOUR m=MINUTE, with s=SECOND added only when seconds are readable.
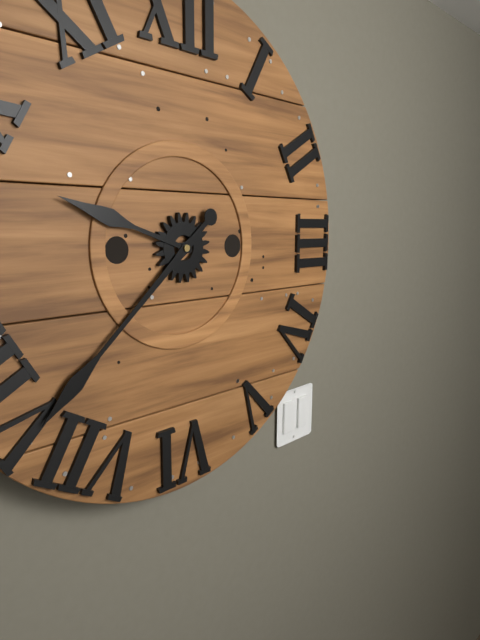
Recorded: h=9 m=38
